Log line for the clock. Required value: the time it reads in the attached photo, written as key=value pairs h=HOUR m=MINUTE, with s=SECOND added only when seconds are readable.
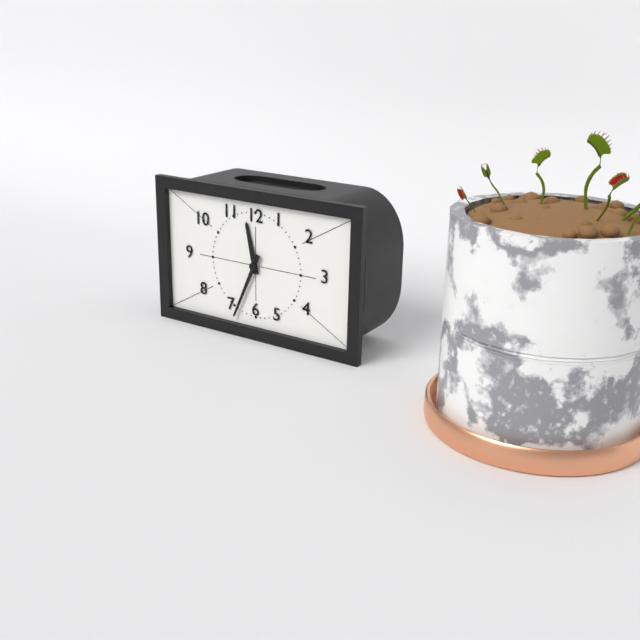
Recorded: h=11 m=34
